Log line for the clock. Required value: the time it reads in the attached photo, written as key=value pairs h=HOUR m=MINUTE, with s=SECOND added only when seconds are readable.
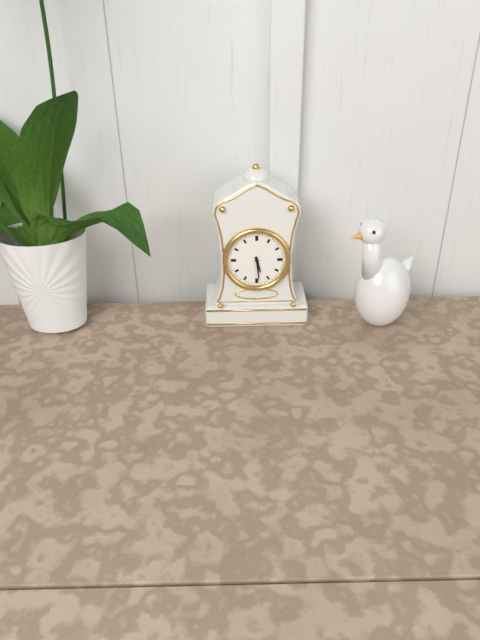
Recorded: h=5 m=29
